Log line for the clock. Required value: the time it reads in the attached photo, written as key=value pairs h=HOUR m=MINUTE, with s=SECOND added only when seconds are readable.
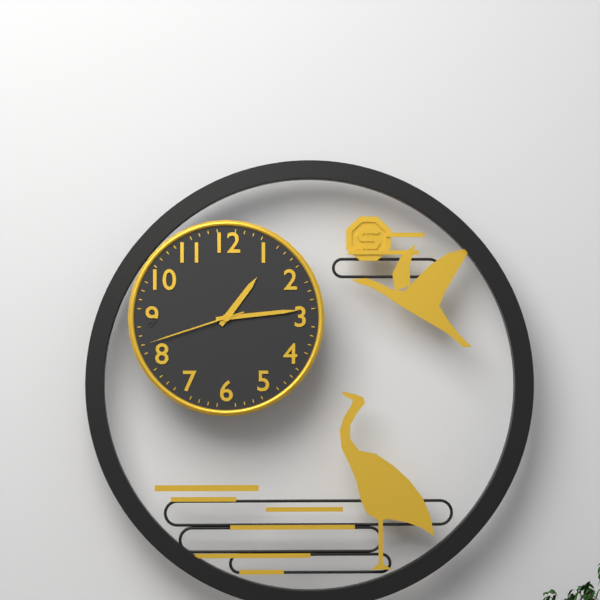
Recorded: h=1 m=14 s=42
